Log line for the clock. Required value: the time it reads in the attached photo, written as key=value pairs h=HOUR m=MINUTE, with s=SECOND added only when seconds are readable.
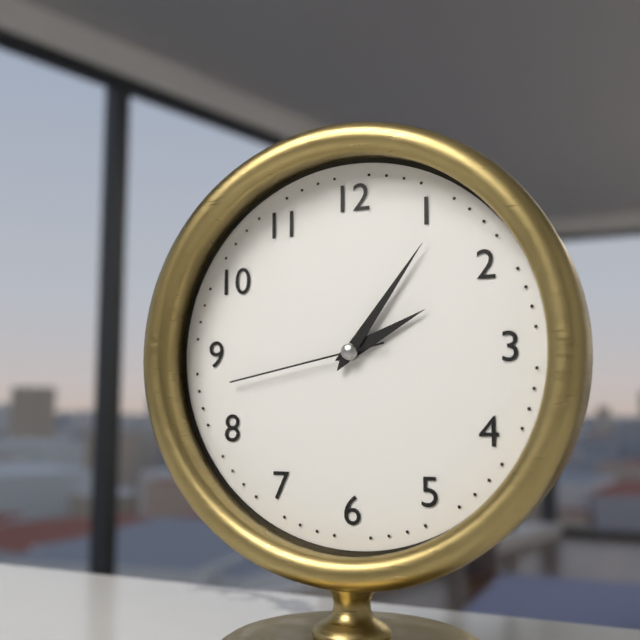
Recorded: h=2 m=6 s=43
